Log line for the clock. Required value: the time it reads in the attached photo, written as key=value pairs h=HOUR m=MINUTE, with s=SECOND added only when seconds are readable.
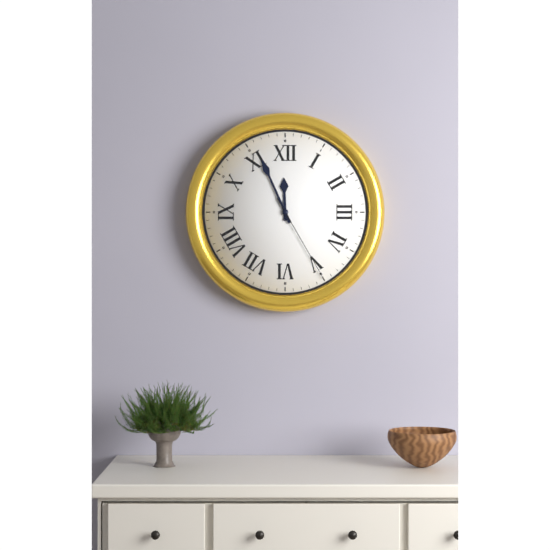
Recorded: h=11 m=56 s=25
